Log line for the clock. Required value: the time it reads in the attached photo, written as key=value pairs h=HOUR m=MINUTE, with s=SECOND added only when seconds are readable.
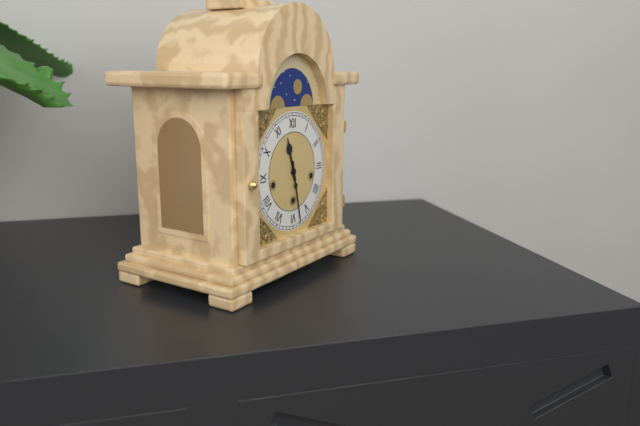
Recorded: h=11 m=28
